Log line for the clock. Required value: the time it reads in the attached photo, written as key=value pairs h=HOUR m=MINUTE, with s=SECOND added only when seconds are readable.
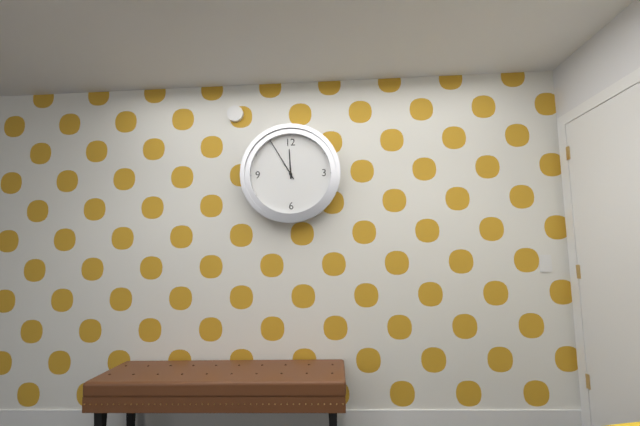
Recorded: h=11 m=55
